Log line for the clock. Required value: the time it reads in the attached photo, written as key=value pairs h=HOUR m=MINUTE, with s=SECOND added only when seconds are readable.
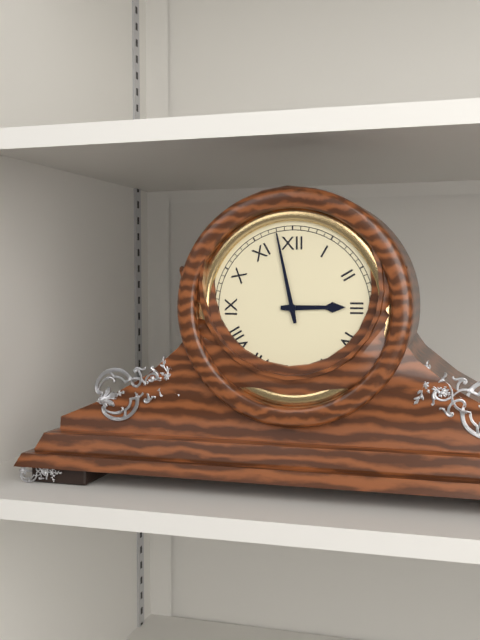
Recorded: h=2 m=58
